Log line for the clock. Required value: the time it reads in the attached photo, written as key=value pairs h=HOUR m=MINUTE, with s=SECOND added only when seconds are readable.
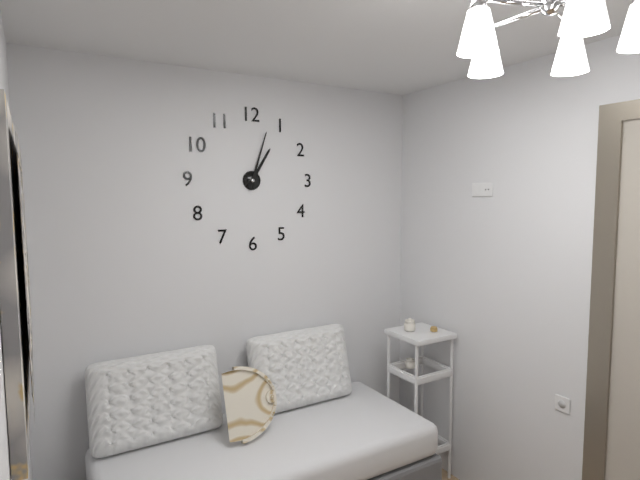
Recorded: h=1 m=3
